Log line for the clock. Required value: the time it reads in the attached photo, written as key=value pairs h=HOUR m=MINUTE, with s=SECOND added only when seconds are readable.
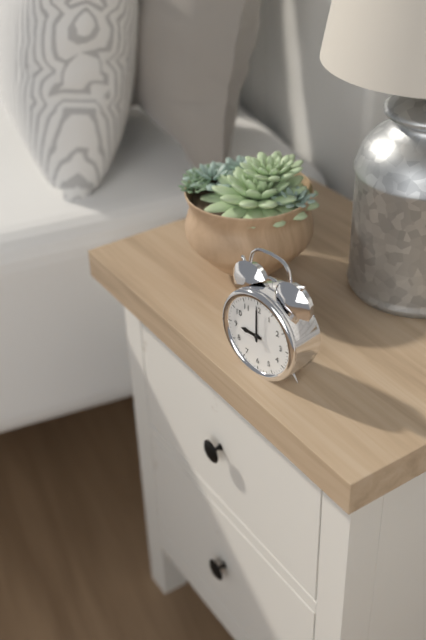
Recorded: h=9 m=0
